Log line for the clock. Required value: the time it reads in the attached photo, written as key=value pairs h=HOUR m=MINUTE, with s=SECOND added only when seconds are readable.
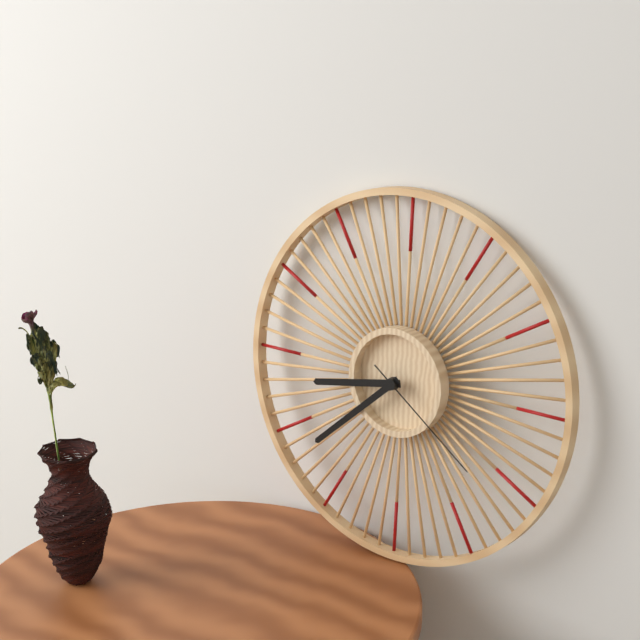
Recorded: h=8 m=38 s=21
